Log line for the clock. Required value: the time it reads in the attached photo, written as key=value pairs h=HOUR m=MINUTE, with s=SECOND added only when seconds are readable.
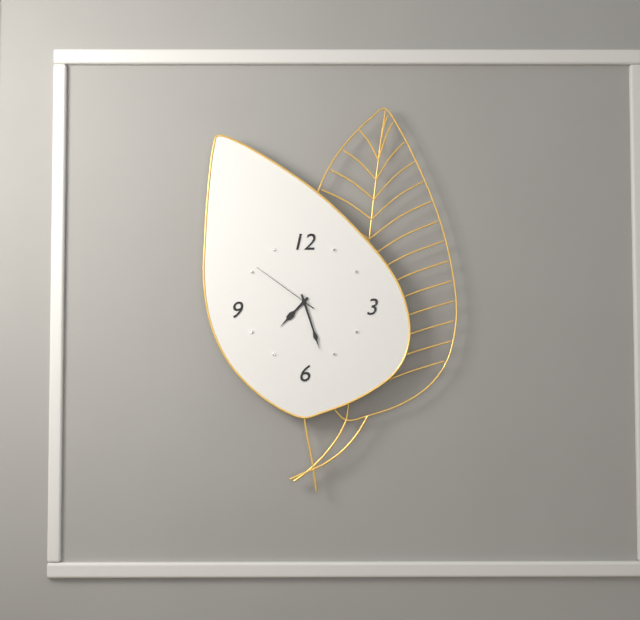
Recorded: h=7 m=27 s=51
